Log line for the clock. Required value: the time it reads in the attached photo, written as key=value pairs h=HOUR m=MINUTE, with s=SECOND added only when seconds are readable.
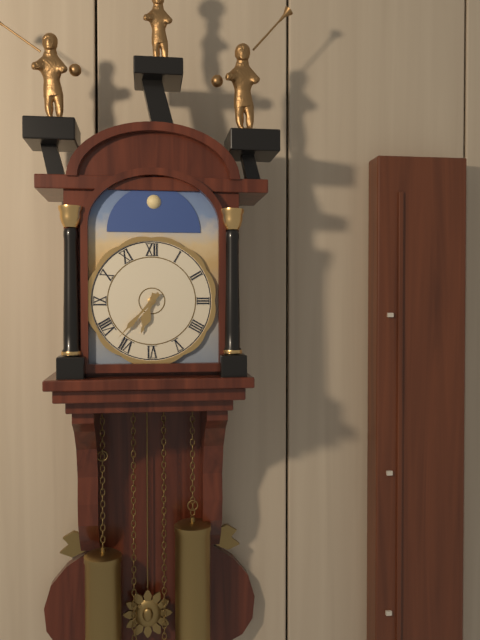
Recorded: h=6 m=37
